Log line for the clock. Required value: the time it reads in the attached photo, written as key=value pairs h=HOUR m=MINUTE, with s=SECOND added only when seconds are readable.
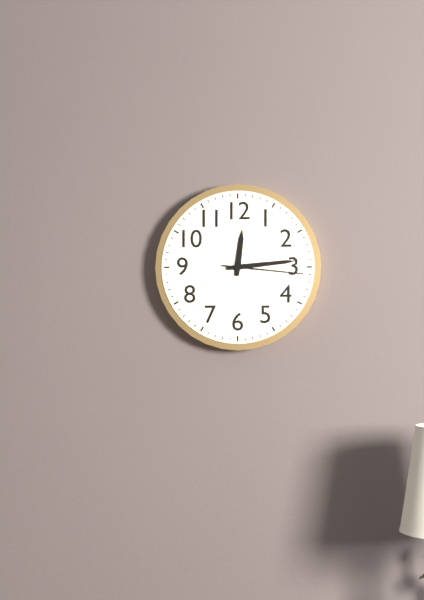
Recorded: h=12 m=14 s=16
